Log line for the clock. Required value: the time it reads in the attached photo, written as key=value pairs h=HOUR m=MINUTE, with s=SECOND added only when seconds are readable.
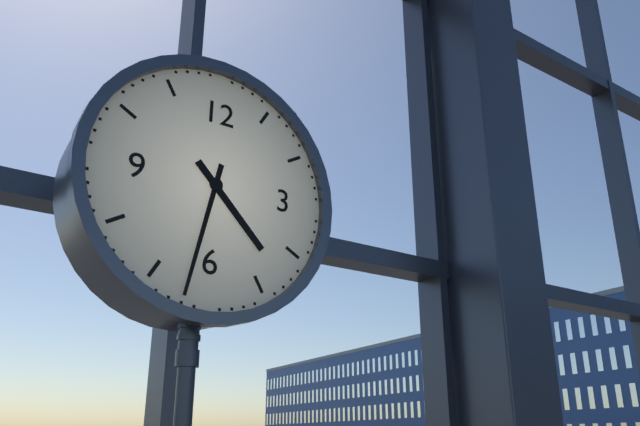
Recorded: h=4 m=32
